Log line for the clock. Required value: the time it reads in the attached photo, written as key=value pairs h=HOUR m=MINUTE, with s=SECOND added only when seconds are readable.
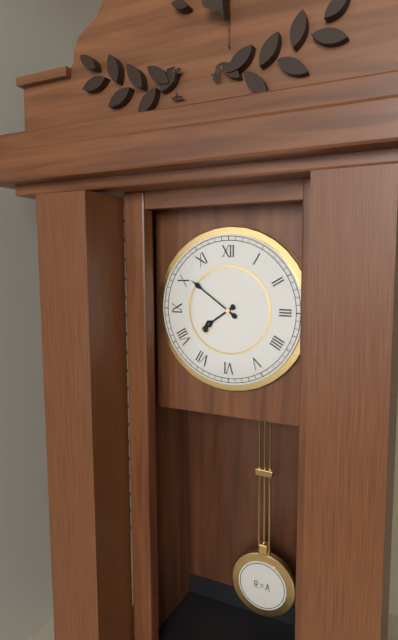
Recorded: h=7 m=51
